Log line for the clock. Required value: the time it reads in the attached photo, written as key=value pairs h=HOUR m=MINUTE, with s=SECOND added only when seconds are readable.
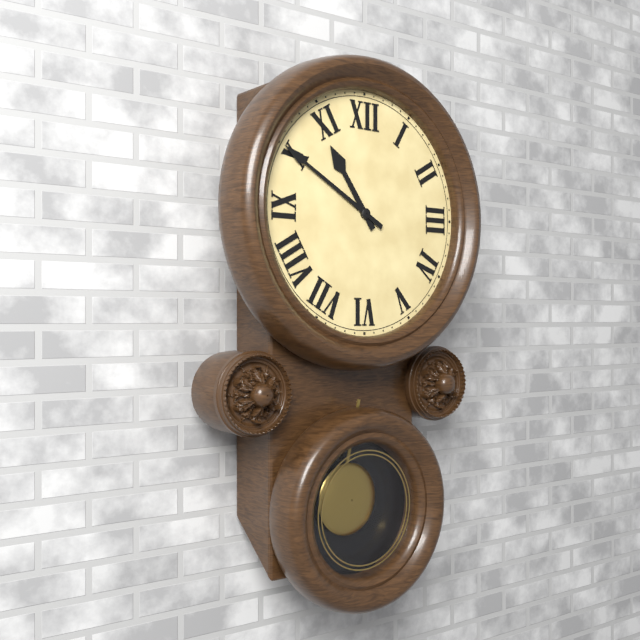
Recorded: h=10 m=50
